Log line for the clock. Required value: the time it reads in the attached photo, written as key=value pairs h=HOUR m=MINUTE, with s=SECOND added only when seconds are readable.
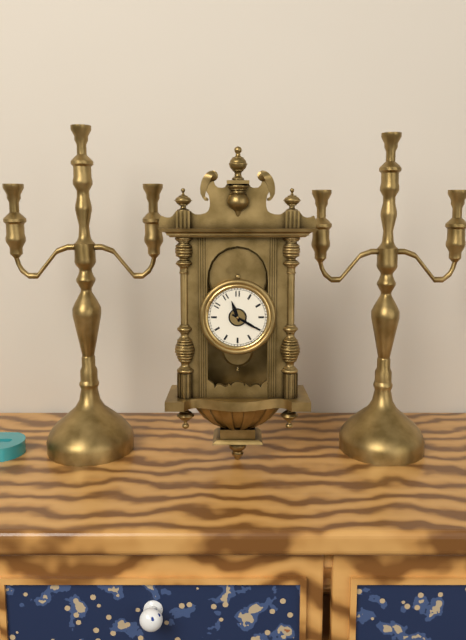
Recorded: h=11 m=20
